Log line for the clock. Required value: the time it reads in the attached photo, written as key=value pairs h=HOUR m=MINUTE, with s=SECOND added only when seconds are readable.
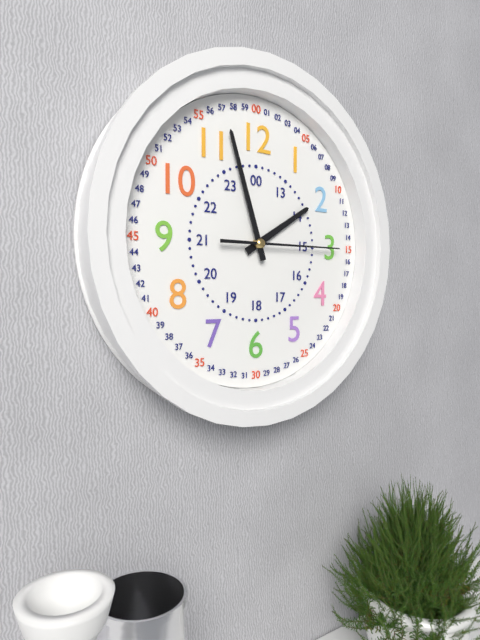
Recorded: h=1 m=57 s=15
